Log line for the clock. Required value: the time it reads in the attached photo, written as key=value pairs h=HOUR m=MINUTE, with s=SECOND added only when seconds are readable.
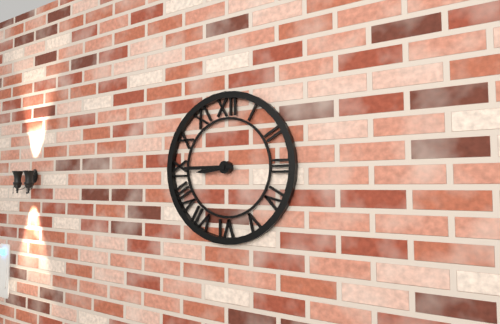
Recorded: h=8 m=45
